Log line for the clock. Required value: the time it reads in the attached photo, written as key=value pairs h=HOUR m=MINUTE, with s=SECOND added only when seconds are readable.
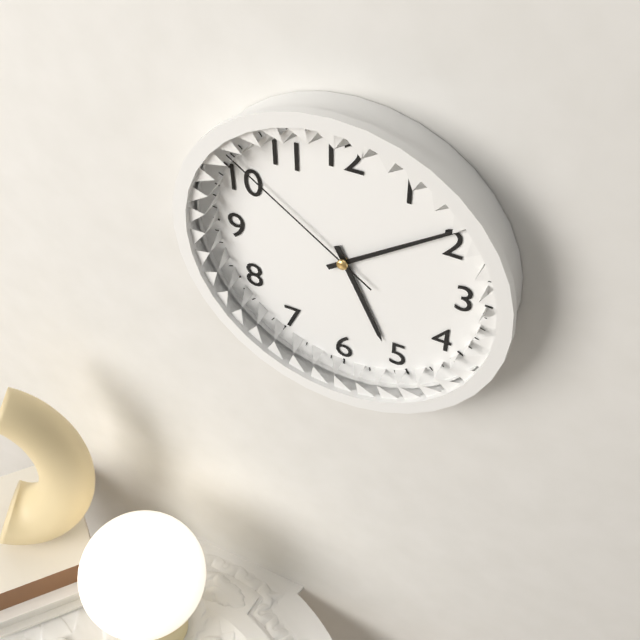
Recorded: h=5 m=9 s=51
